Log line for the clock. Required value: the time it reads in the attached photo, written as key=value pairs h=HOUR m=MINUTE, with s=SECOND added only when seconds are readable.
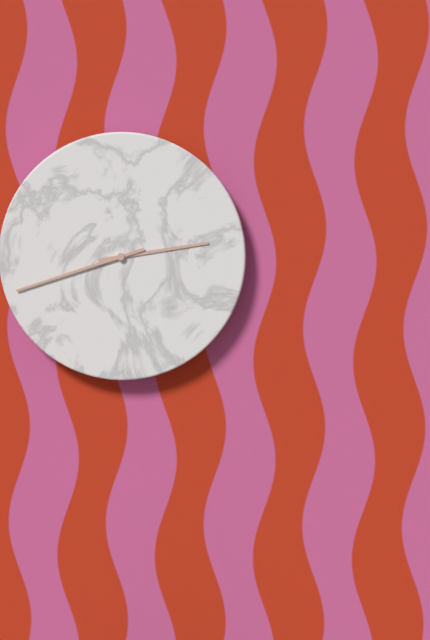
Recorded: h=2 m=42
